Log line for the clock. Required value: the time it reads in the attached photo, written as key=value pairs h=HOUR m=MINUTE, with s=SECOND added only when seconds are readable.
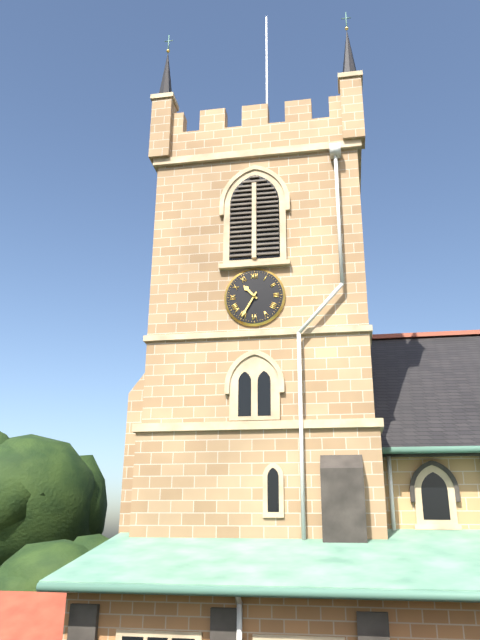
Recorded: h=10 m=35
